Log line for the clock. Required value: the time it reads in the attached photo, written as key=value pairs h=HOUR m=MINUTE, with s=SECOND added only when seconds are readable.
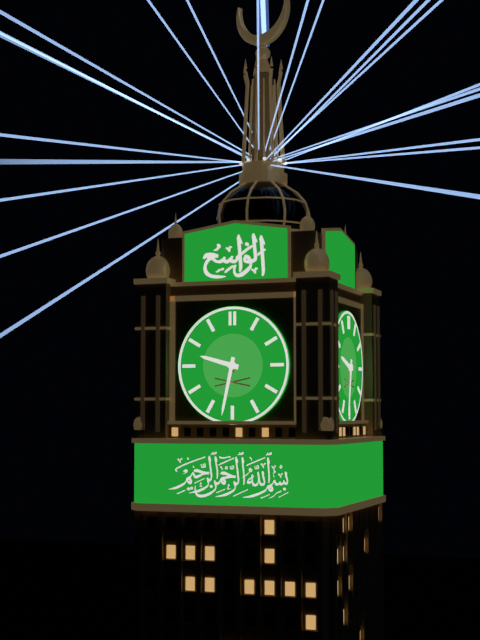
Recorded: h=9 m=32
